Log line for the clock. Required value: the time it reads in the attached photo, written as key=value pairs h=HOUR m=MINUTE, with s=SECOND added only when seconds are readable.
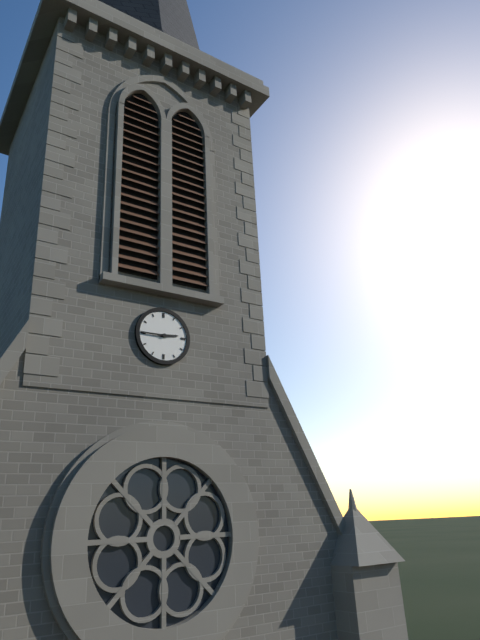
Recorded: h=2 m=45
